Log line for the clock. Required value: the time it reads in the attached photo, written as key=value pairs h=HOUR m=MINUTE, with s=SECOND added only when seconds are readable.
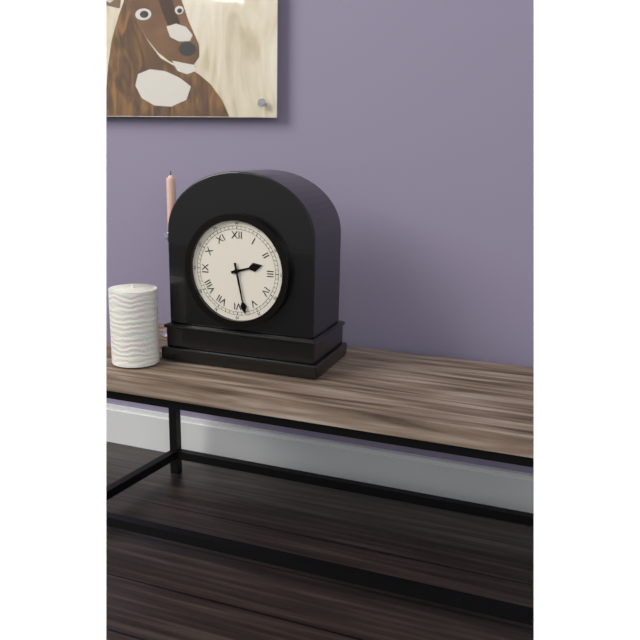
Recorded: h=2 m=28
